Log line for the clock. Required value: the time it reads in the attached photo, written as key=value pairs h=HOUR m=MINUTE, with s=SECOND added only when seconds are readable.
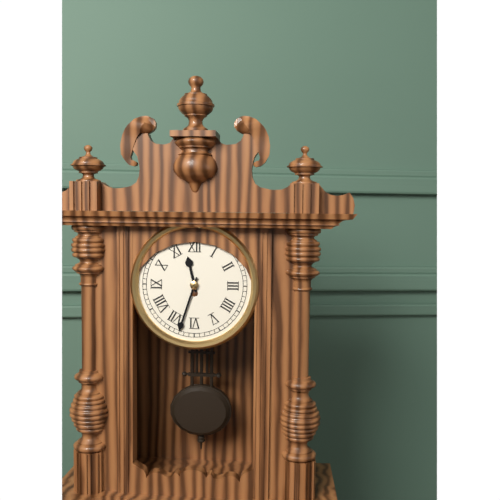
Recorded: h=11 m=33
